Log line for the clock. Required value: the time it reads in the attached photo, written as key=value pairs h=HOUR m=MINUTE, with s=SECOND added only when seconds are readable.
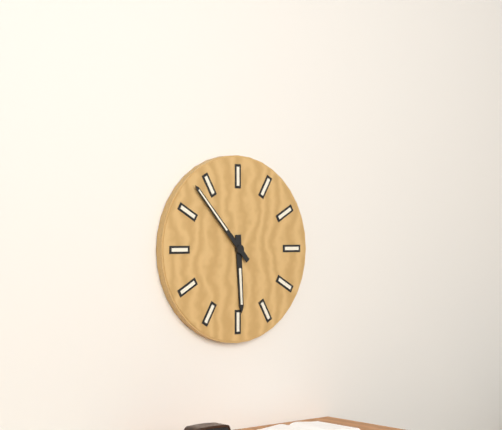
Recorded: h=5 m=53
